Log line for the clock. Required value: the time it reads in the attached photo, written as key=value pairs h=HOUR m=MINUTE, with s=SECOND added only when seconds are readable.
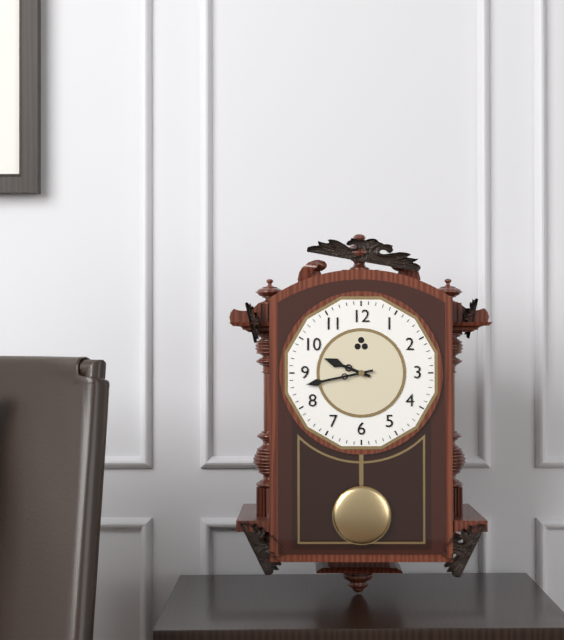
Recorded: h=9 m=43
